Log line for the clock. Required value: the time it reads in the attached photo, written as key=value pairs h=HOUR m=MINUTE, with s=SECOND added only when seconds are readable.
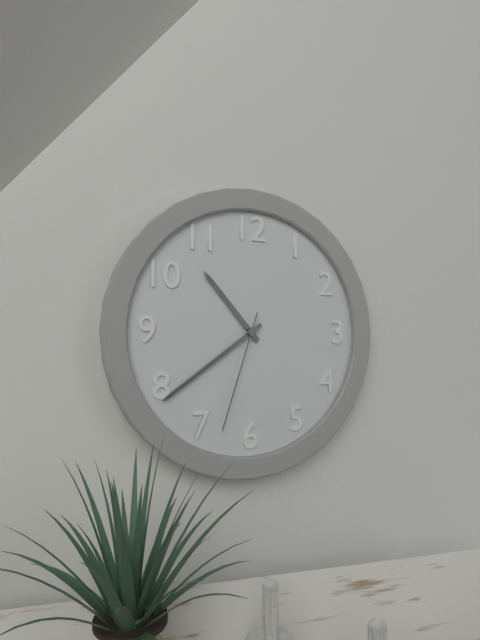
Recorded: h=10 m=39 s=33
